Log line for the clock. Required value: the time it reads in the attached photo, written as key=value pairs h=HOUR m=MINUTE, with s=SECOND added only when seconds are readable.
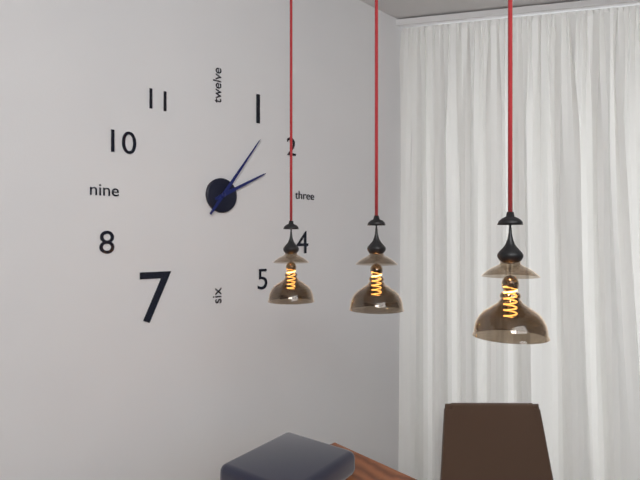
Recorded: h=2 m=6
